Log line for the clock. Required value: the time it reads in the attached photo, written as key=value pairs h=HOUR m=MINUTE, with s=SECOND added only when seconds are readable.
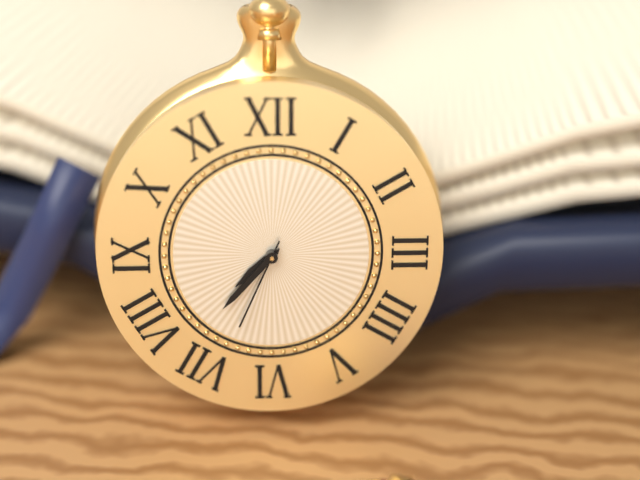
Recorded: h=7 m=37 s=34
